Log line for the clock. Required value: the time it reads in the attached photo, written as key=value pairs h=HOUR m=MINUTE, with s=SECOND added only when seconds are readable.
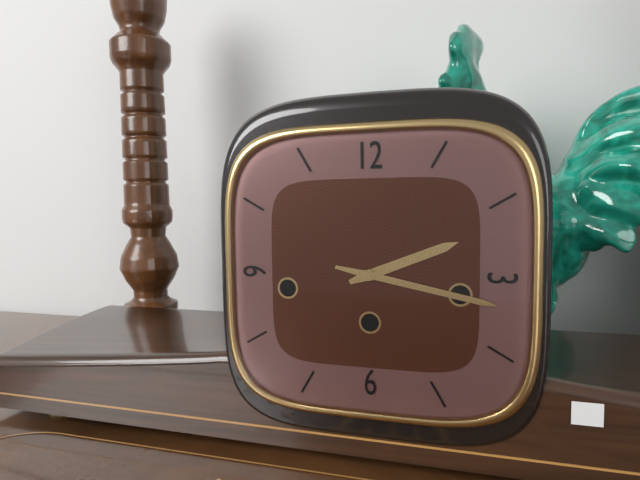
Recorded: h=2 m=17
